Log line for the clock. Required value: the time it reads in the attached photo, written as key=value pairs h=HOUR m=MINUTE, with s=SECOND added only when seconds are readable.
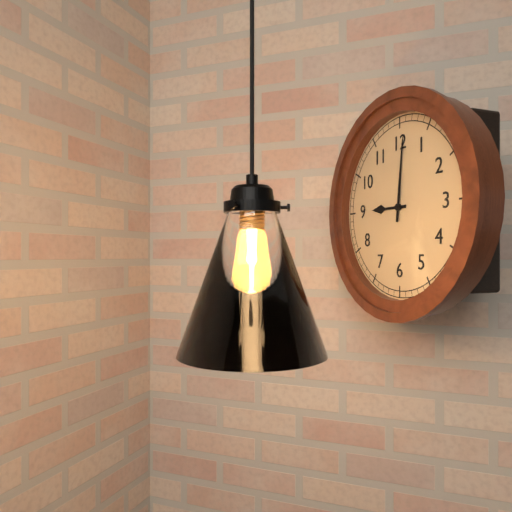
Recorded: h=9 m=1
